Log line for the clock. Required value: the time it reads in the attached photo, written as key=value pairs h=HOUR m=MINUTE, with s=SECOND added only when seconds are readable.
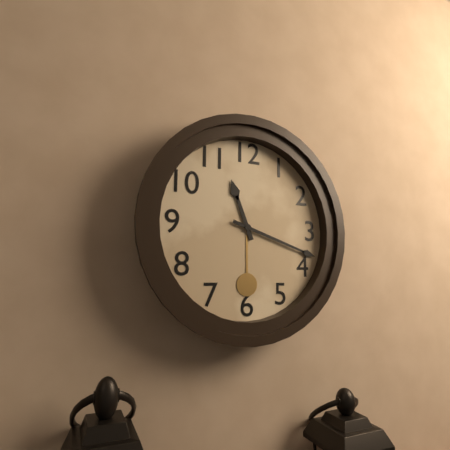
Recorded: h=11 m=18
